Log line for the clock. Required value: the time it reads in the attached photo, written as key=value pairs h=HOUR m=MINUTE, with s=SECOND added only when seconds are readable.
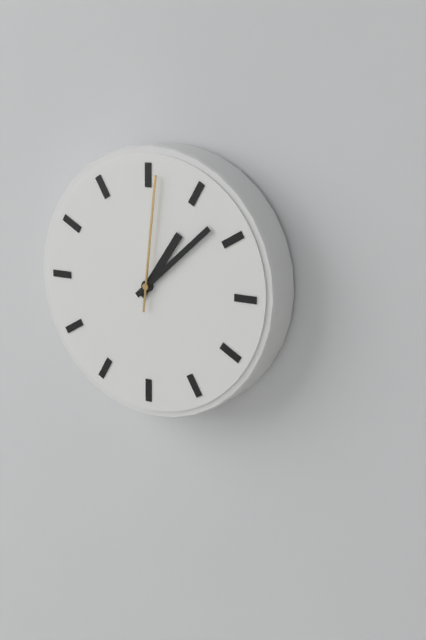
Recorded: h=1 m=8 s=1
